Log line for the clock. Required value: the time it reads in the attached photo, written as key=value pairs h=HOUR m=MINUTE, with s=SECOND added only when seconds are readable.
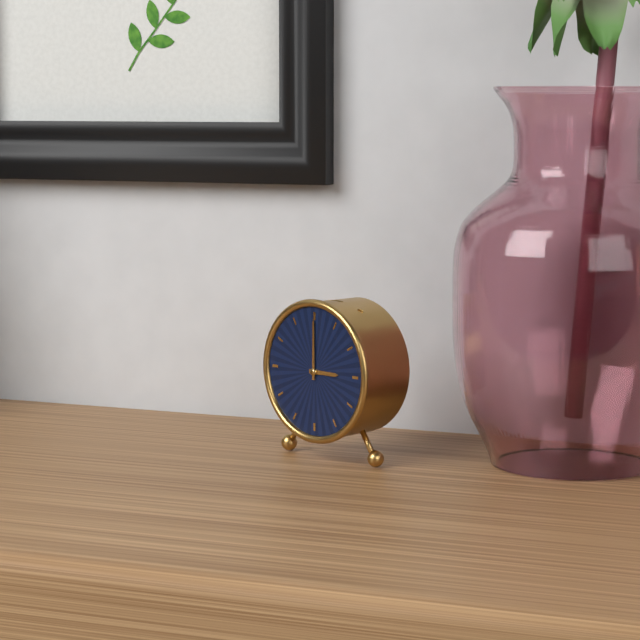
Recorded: h=3 m=0
